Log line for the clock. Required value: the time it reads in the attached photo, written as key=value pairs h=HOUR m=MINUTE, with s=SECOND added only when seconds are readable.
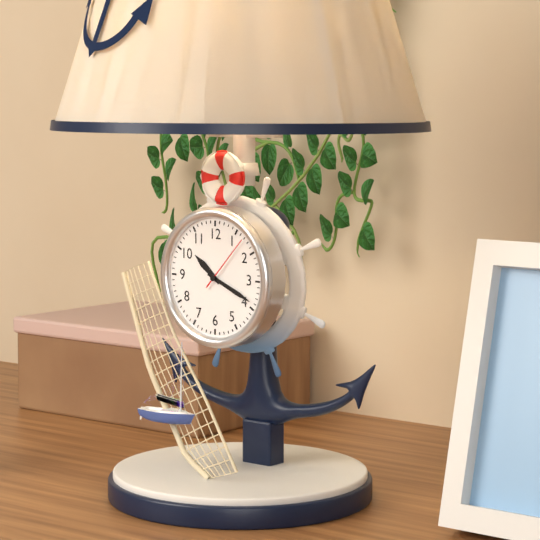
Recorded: h=10 m=19 s=7
